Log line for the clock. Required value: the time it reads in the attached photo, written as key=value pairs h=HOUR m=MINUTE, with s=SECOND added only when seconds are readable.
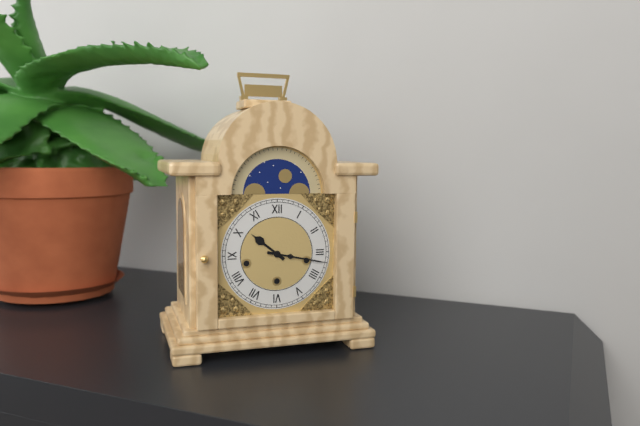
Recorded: h=10 m=17
